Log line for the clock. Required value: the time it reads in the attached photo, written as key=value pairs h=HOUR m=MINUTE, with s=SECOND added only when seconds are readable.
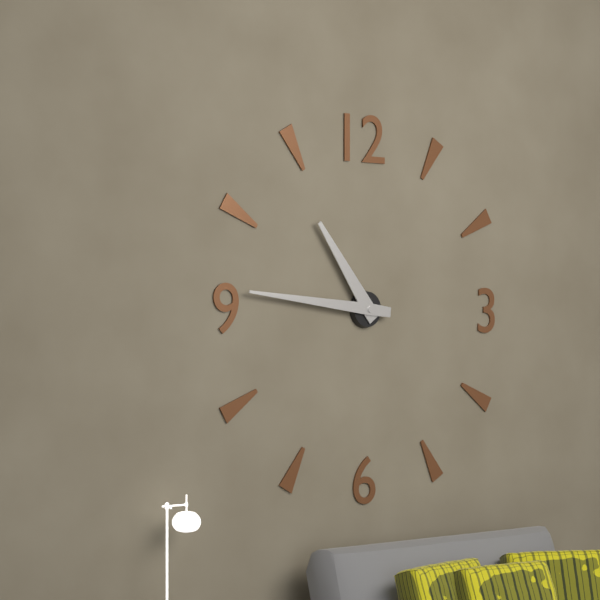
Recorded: h=10 m=46
